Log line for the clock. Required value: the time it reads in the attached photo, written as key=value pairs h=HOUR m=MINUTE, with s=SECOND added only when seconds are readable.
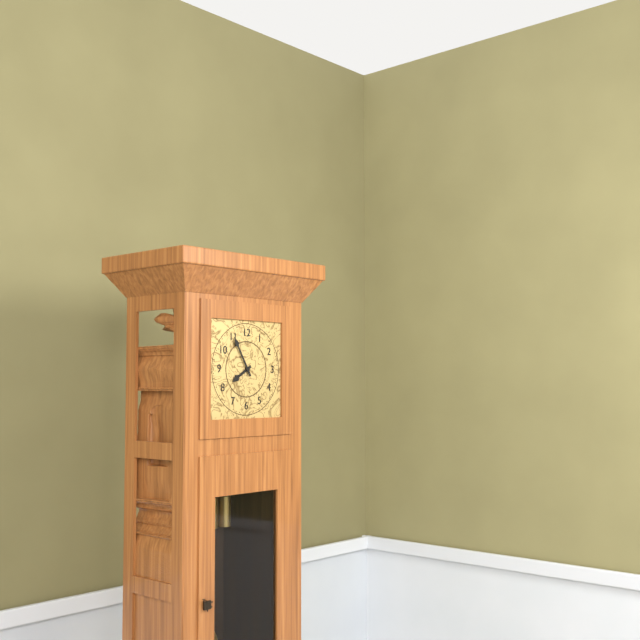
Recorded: h=7 m=55
